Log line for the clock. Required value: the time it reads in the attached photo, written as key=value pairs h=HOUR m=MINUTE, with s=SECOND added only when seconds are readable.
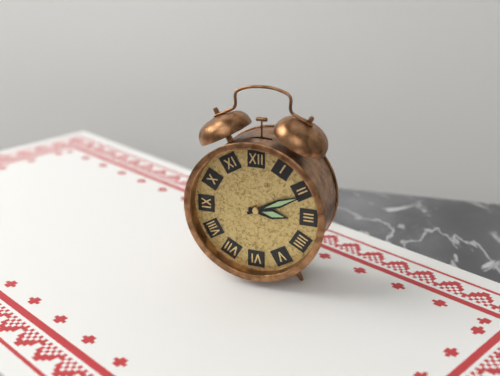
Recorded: h=3 m=11
